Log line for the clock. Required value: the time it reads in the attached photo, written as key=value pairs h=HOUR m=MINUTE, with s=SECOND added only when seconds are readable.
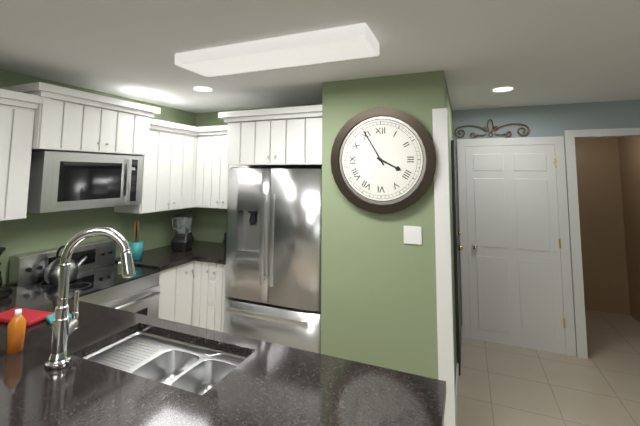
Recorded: h=3 m=55
